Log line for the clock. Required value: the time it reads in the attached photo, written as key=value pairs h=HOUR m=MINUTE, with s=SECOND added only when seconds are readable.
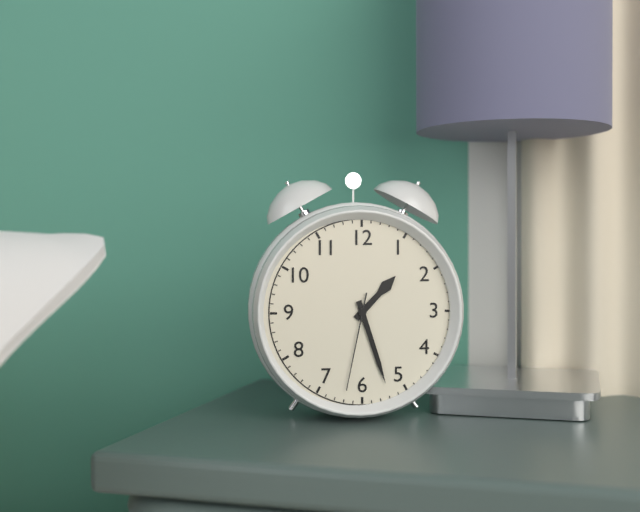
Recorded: h=1 m=27 s=32
